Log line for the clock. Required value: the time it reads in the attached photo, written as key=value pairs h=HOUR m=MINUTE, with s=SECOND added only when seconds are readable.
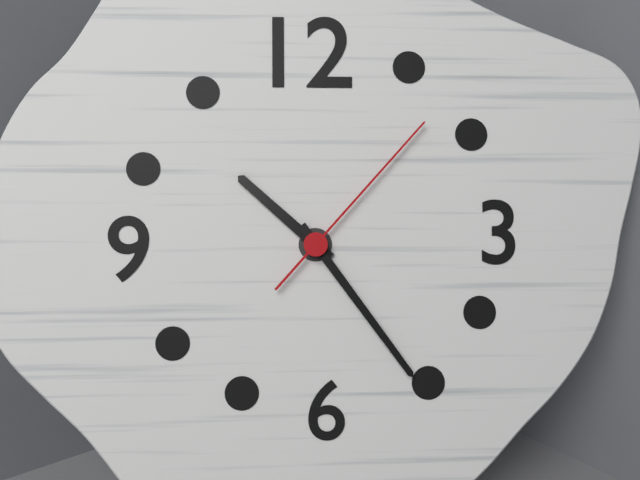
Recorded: h=10 m=24 s=7
